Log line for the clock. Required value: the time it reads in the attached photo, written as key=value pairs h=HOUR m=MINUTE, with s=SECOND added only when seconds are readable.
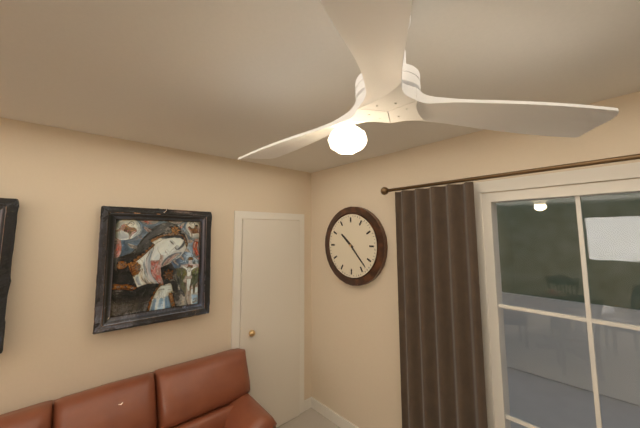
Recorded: h=10 m=23
